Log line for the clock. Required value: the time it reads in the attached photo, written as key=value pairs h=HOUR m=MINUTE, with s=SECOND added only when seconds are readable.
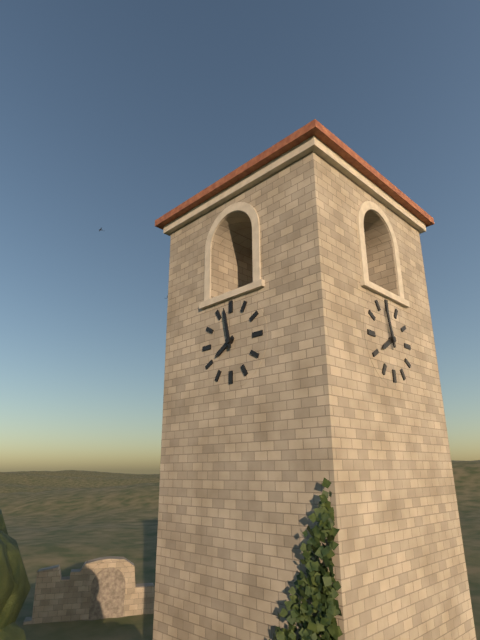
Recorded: h=7 m=58
